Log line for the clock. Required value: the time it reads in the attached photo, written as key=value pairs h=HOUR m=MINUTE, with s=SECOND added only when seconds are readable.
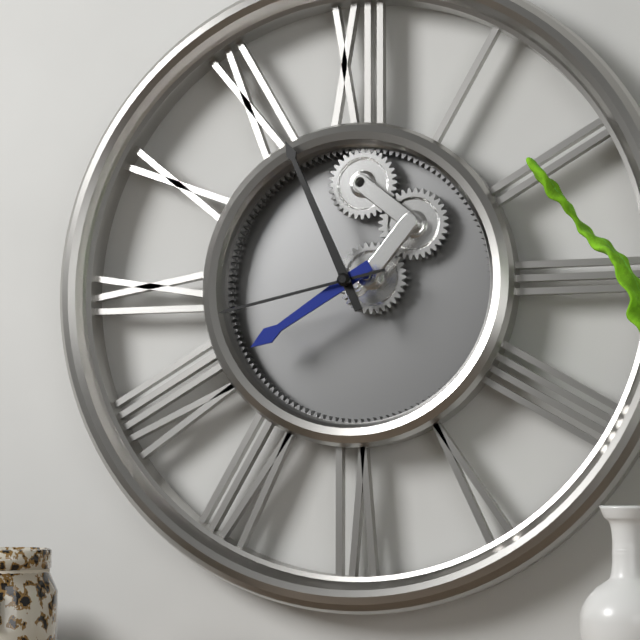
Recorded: h=7 m=56 s=43
